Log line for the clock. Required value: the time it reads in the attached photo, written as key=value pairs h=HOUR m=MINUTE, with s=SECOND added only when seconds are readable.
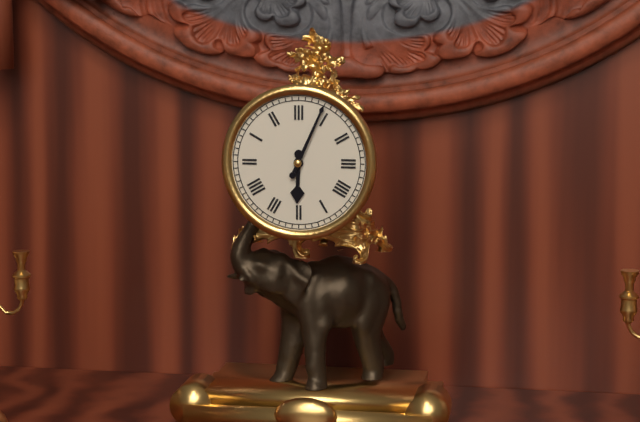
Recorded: h=6 m=4
